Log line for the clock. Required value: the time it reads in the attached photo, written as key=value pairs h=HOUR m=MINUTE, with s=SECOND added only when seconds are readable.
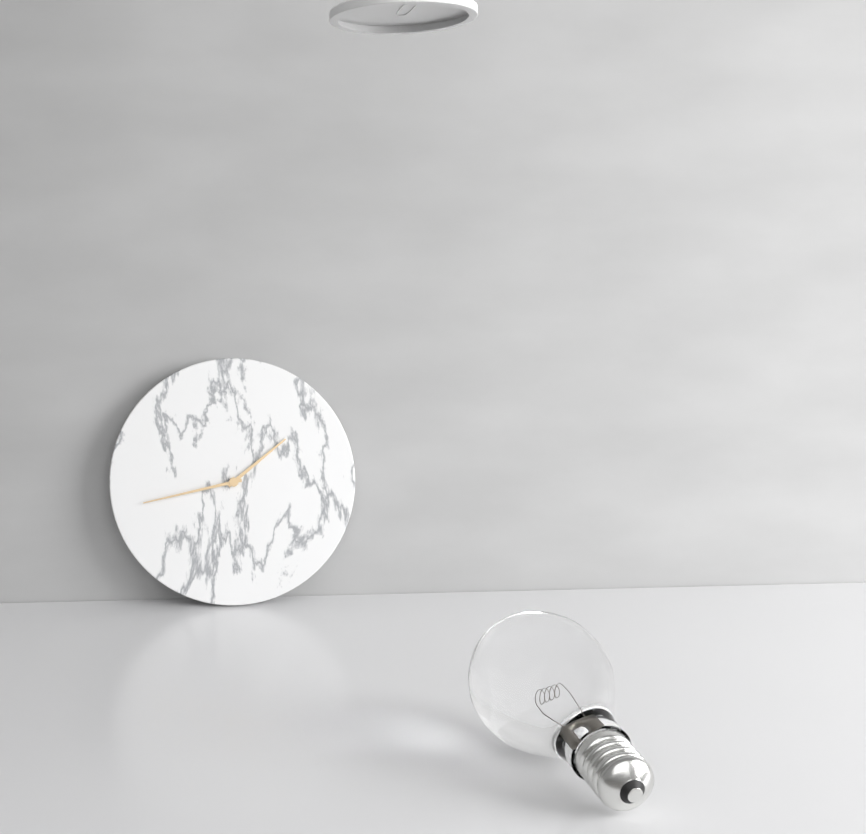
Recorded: h=1 m=43
